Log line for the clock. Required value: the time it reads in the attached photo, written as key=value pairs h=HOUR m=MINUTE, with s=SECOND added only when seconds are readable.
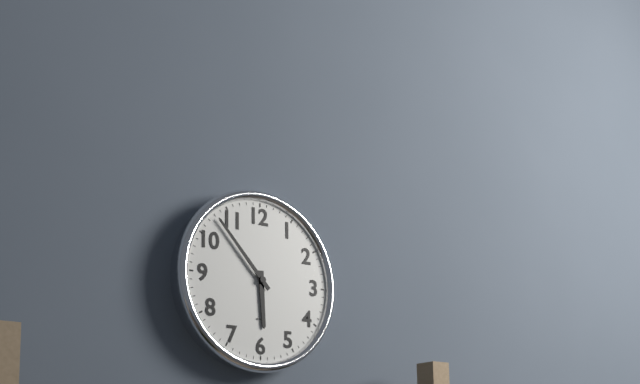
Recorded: h=5 m=53
